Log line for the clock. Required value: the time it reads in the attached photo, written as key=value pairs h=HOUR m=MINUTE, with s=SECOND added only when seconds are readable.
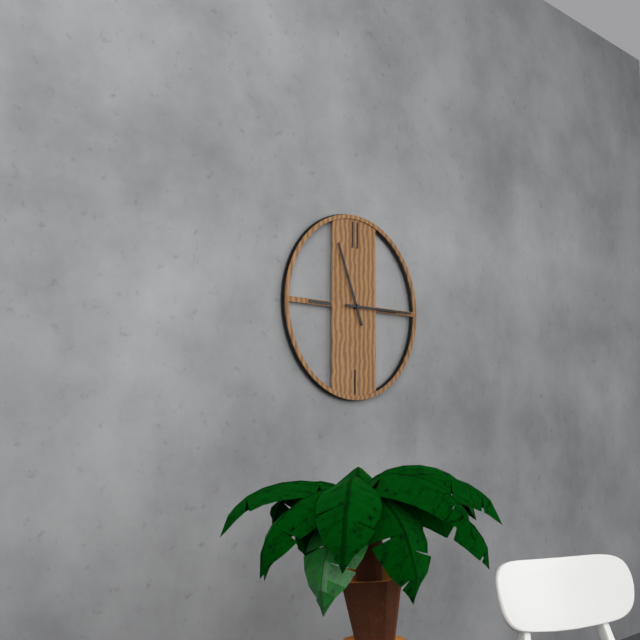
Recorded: h=11 m=15
